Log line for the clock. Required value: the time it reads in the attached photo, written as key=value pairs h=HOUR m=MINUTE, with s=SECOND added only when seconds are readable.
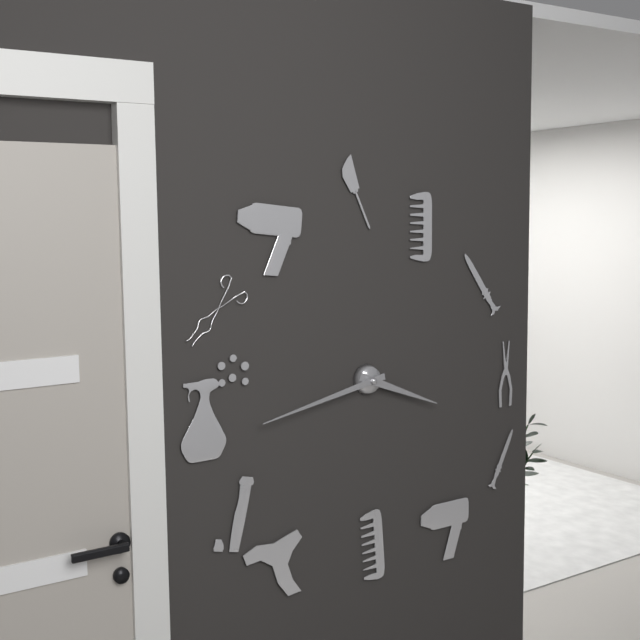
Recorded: h=3 m=43
